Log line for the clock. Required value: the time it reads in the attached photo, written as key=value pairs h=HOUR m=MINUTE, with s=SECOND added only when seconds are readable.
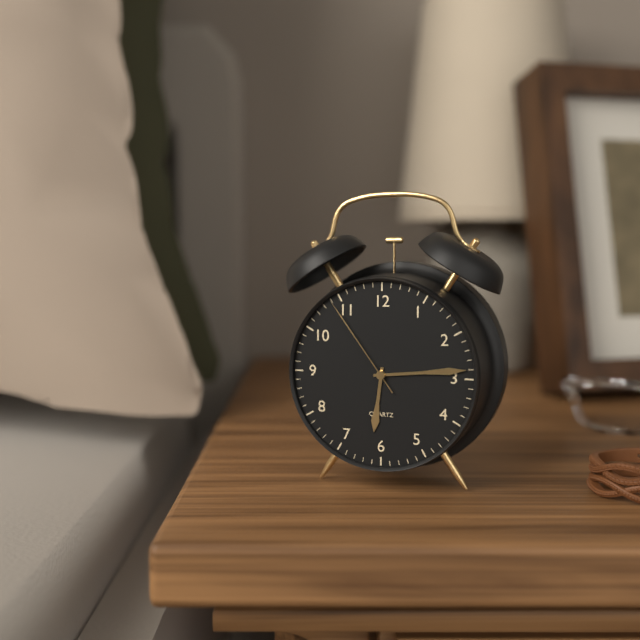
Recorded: h=6 m=14 s=54
